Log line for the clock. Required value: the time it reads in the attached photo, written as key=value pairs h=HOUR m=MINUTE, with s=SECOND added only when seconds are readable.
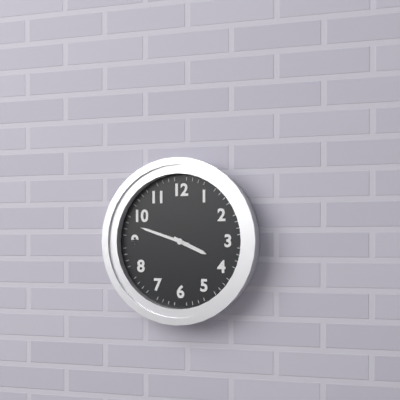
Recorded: h=3 m=48
